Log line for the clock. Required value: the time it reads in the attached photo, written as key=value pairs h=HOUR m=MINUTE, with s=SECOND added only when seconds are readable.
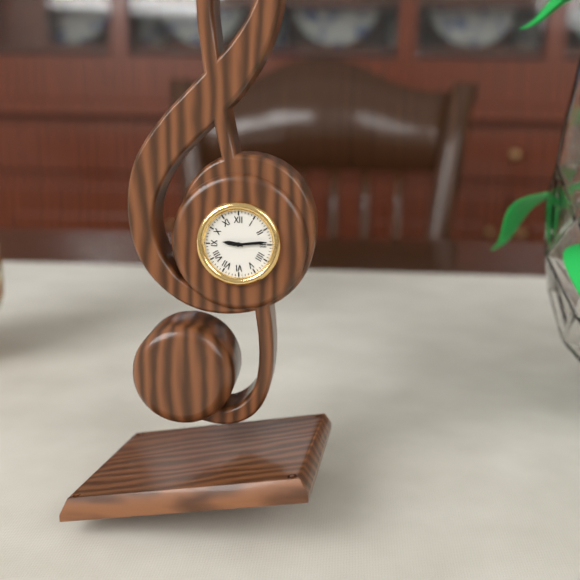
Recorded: h=9 m=14
